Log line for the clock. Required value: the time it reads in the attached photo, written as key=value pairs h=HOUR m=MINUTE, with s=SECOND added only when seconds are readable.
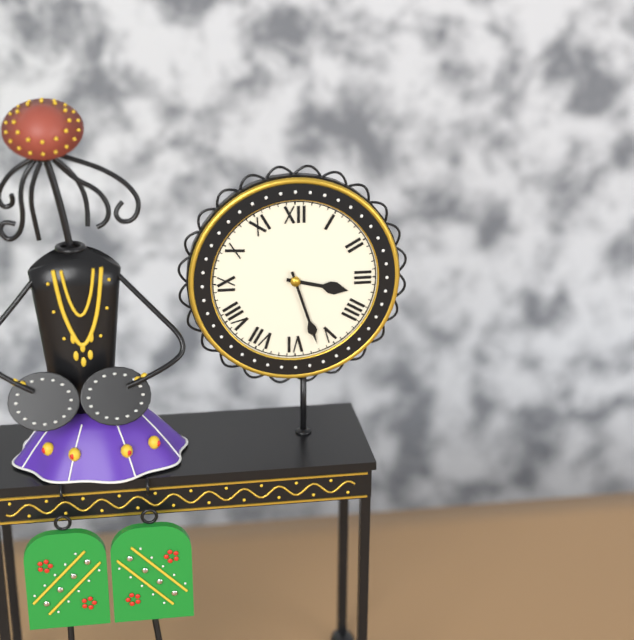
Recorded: h=3 m=27
